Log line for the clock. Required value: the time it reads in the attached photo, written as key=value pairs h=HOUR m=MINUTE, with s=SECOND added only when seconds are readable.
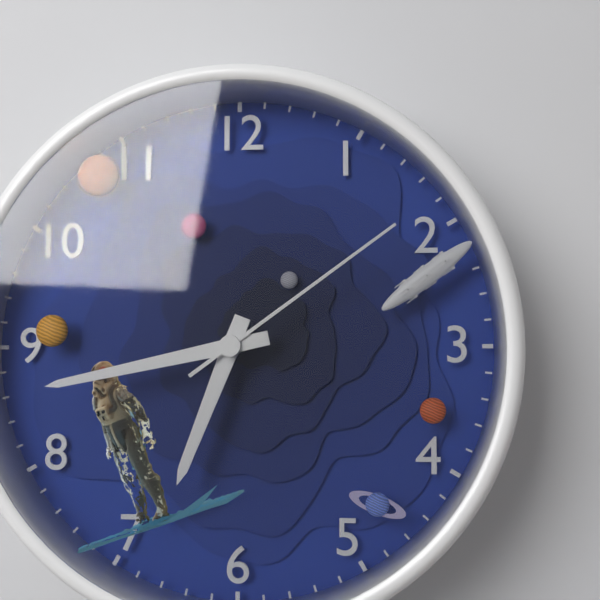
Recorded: h=6 m=43 s=9
